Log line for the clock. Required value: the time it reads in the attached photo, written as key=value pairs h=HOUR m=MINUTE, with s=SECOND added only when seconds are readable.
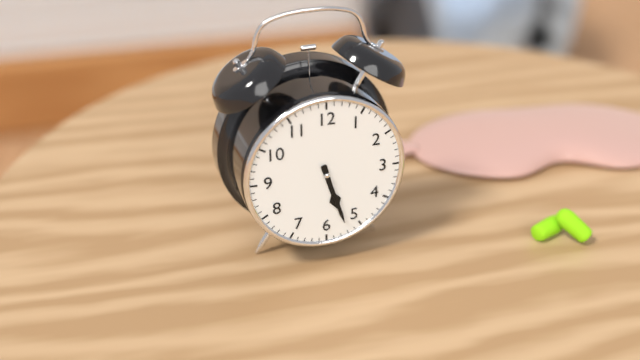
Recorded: h=5 m=27
